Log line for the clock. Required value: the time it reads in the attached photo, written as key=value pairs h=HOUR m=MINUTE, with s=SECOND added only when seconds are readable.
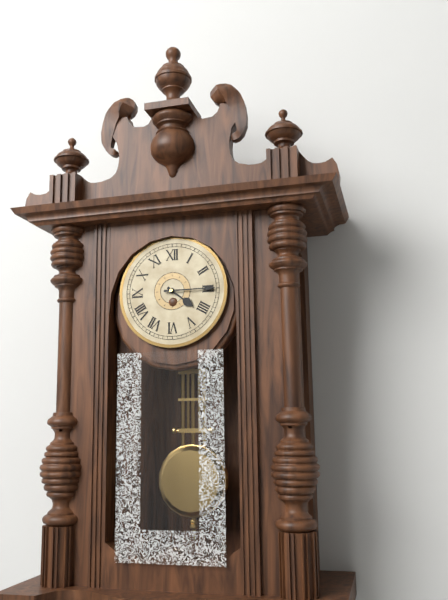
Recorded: h=4 m=15
